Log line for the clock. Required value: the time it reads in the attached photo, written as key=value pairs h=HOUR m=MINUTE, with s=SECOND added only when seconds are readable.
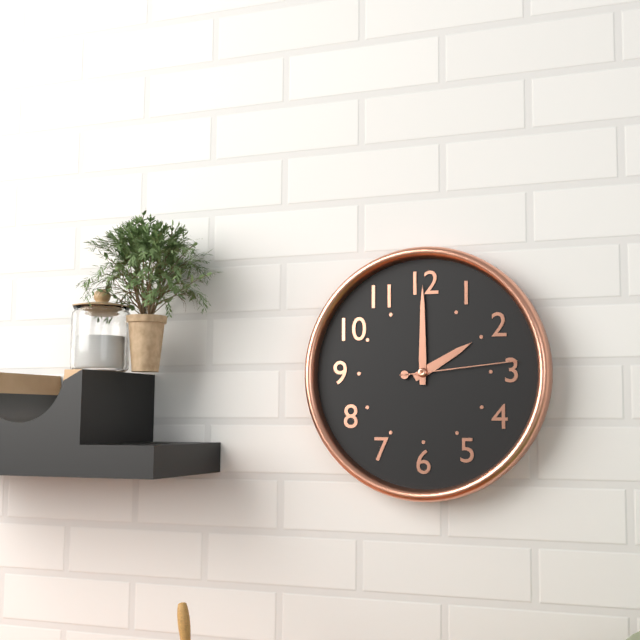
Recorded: h=2 m=0 s=14
